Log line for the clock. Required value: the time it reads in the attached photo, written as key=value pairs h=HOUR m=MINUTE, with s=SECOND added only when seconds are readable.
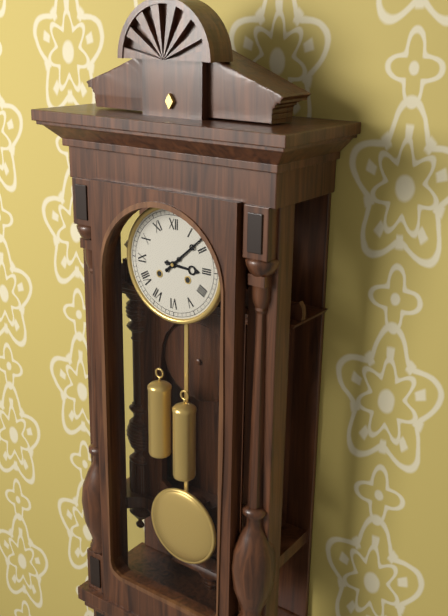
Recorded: h=3 m=8
